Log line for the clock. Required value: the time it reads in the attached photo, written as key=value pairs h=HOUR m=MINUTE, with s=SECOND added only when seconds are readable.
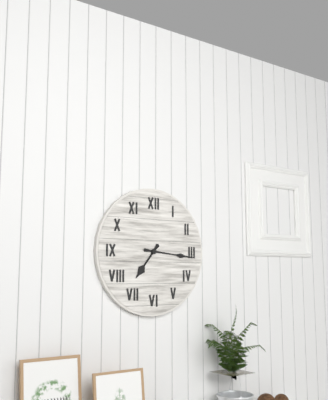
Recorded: h=7 m=16
